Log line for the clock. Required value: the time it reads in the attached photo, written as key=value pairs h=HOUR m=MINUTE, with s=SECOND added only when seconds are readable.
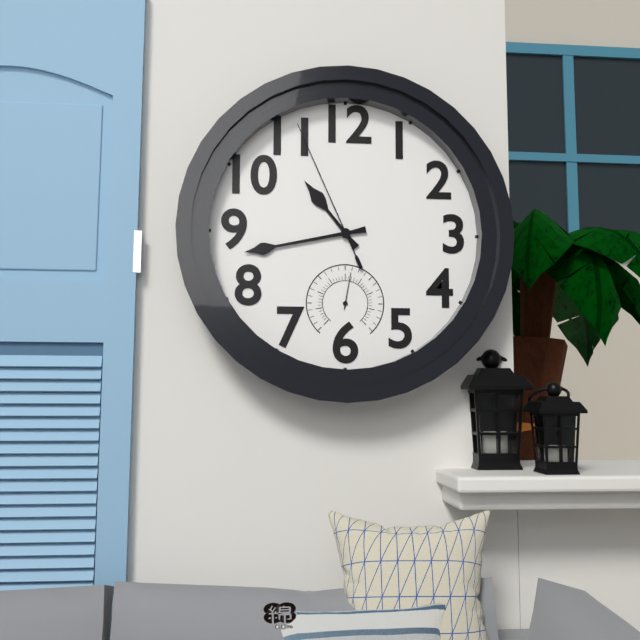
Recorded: h=10 m=43 s=56
